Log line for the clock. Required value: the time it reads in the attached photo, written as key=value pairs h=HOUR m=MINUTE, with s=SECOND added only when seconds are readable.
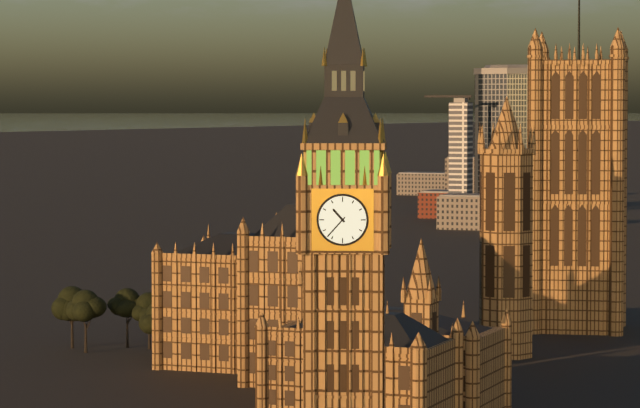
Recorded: h=10 m=37
